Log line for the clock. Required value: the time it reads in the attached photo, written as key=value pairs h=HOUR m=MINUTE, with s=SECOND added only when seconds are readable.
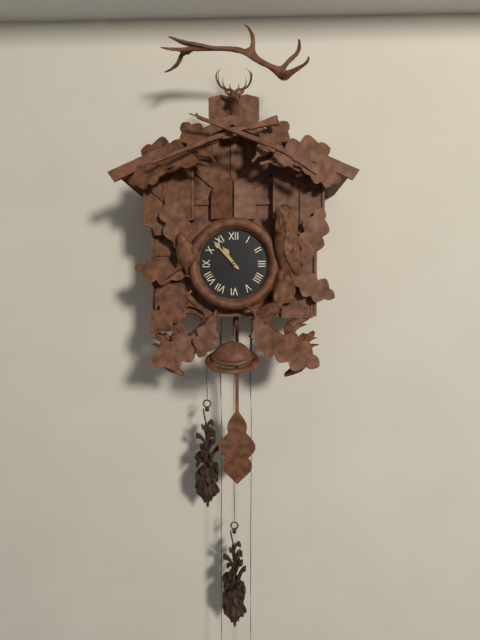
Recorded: h=10 m=53
